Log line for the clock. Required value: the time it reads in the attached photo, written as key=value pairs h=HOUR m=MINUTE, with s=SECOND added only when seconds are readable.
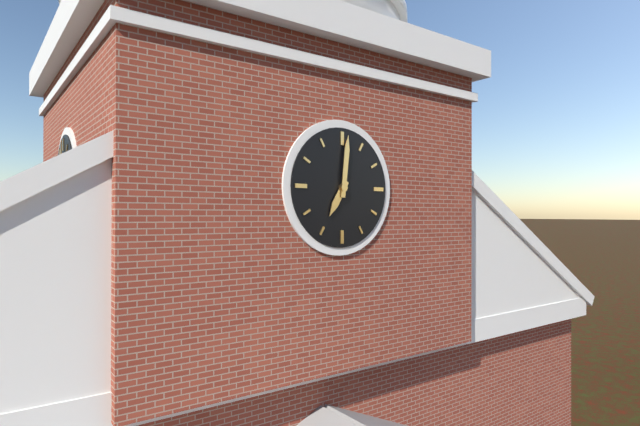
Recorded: h=7 m=1
